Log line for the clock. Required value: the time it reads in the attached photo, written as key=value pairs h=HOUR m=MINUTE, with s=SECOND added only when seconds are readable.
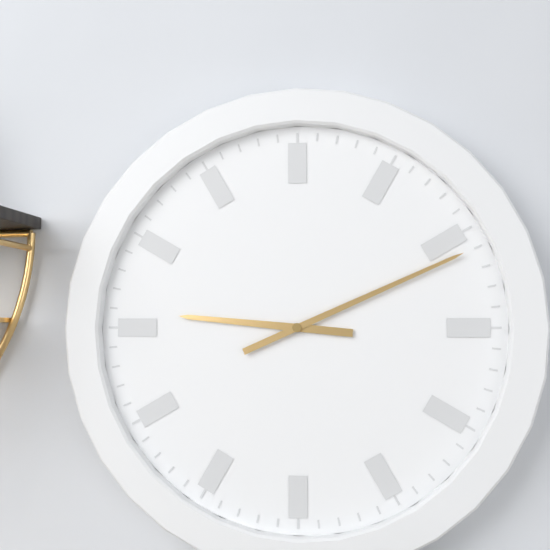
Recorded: h=9 m=11
